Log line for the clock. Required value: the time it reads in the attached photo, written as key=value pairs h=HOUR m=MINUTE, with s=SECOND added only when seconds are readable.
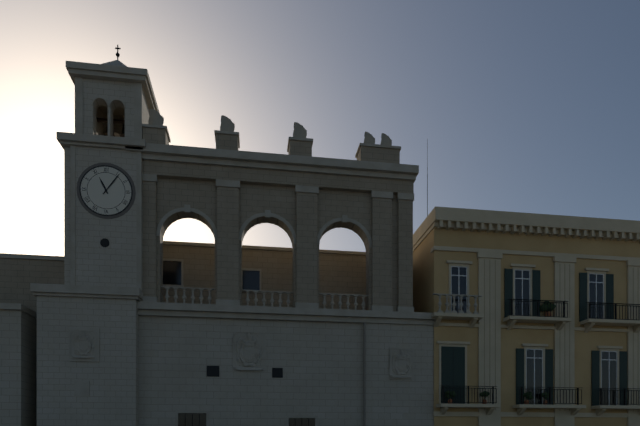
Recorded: h=11 m=6
